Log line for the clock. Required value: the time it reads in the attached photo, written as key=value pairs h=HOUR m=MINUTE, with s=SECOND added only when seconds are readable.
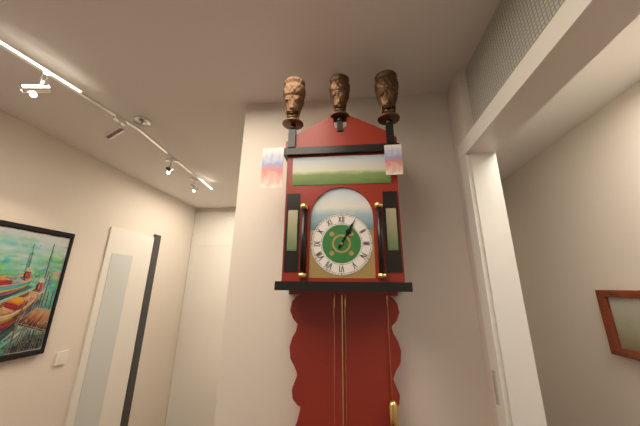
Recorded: h=1 m=5
